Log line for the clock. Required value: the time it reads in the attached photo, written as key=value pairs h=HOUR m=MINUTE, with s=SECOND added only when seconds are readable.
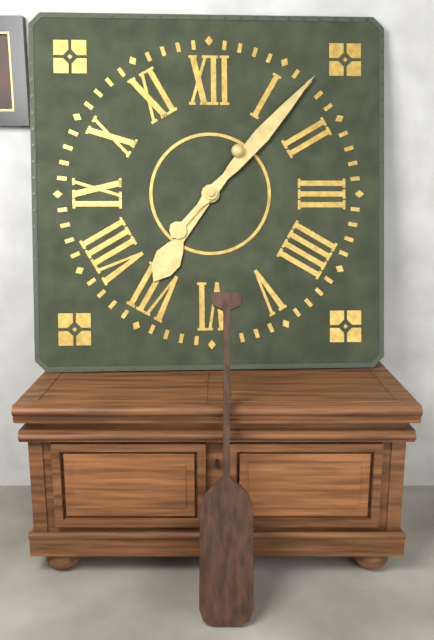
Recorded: h=7 m=7
